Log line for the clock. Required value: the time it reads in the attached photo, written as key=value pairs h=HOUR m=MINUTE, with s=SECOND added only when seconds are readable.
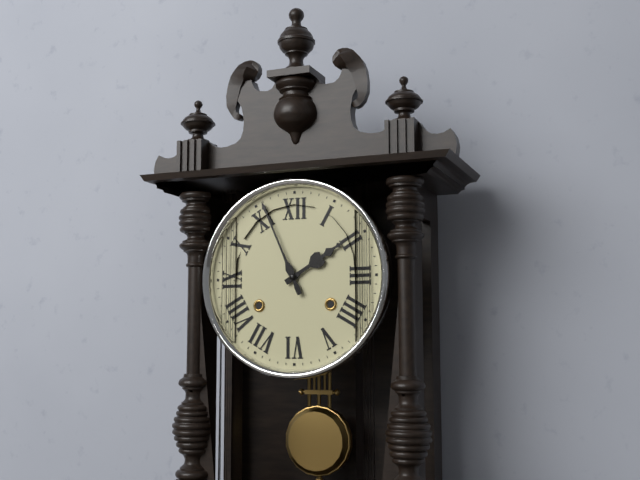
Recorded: h=1 m=56
